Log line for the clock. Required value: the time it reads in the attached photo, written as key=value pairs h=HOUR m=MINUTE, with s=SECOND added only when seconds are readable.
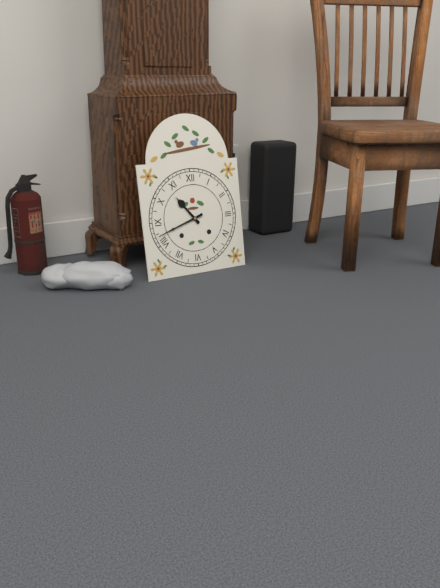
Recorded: h=10 m=42
